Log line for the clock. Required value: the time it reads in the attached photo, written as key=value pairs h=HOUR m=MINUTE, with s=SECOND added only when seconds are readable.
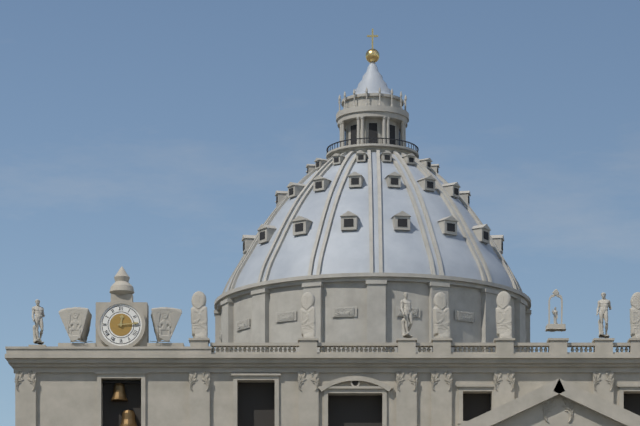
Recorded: h=12 m=14
